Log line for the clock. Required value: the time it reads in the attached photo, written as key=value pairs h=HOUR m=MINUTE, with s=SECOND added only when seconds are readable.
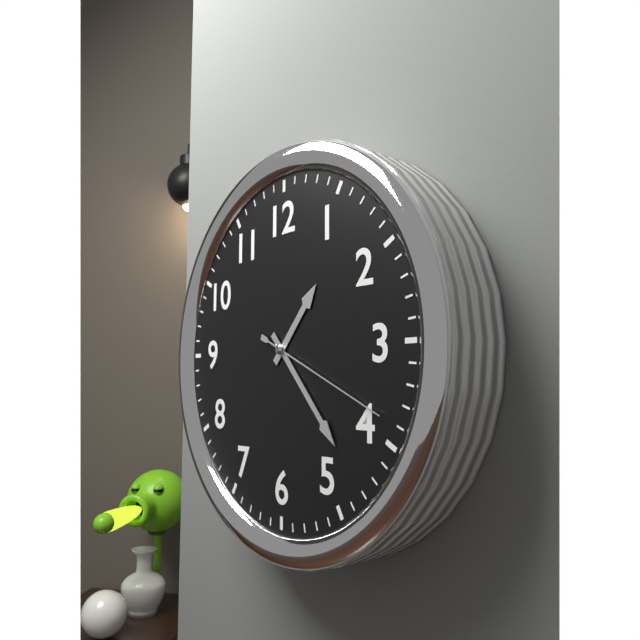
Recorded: h=1 m=23 s=19
